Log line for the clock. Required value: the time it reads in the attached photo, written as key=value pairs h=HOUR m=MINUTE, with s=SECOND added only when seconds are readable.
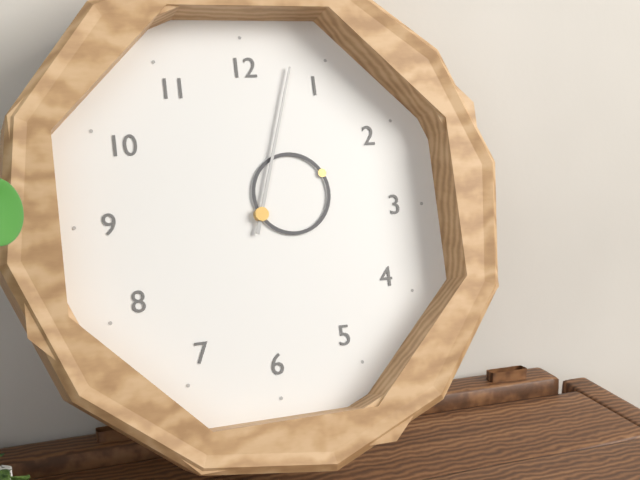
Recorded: h=2 m=3
